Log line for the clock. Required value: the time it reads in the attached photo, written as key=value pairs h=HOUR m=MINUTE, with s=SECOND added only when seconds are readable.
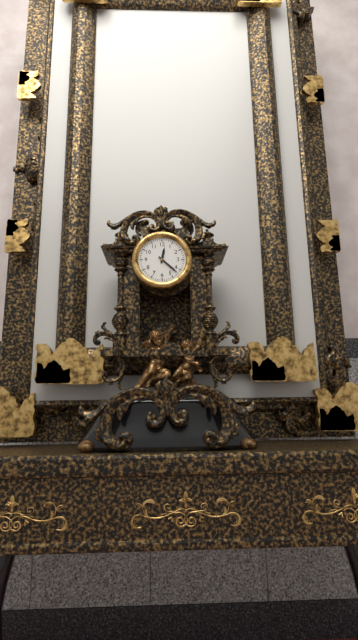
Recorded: h=12 m=22
